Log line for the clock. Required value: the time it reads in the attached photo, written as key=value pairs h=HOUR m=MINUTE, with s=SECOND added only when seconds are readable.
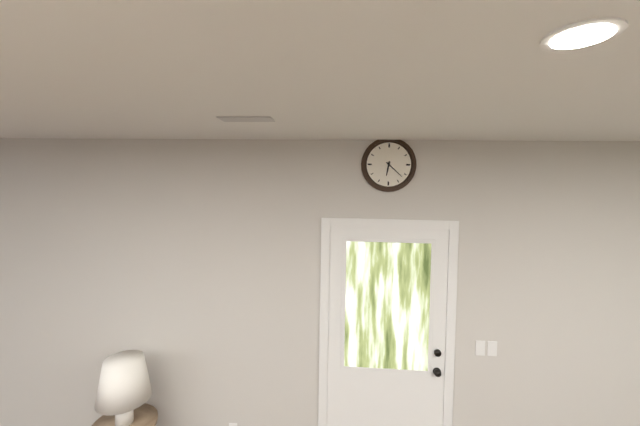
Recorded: h=6 m=22
